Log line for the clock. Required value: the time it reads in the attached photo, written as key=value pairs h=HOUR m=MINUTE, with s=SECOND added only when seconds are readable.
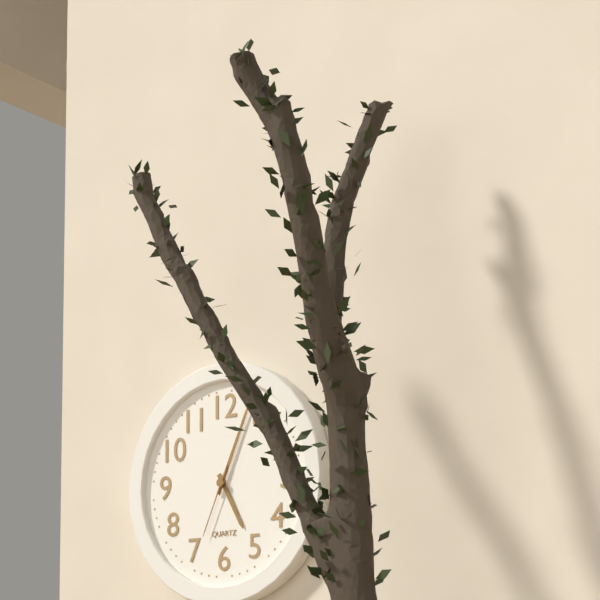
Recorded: h=5 m=4 s=34
